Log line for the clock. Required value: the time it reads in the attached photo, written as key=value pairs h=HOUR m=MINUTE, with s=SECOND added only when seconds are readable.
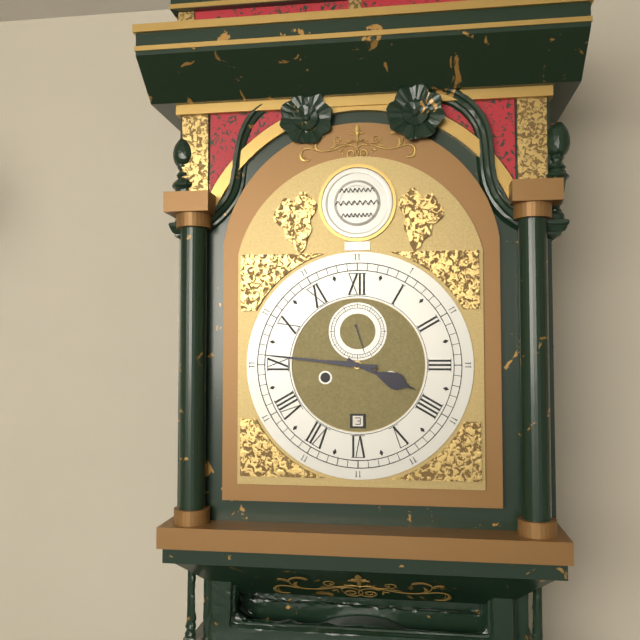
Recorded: h=3 m=46
